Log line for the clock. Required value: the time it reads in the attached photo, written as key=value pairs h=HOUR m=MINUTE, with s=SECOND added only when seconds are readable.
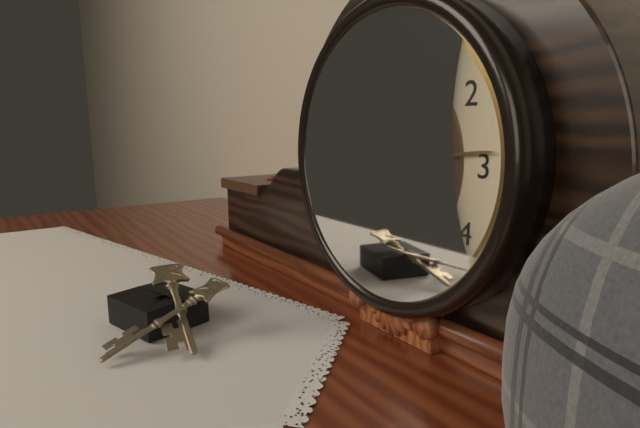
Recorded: h=10 m=14
